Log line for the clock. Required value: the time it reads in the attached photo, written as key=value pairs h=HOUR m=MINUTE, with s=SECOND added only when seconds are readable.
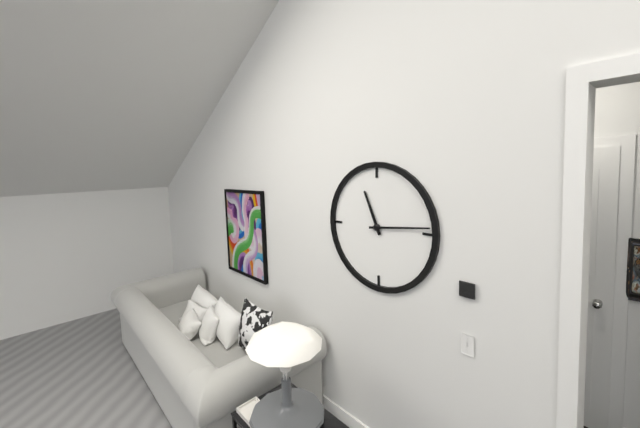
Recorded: h=11 m=14
